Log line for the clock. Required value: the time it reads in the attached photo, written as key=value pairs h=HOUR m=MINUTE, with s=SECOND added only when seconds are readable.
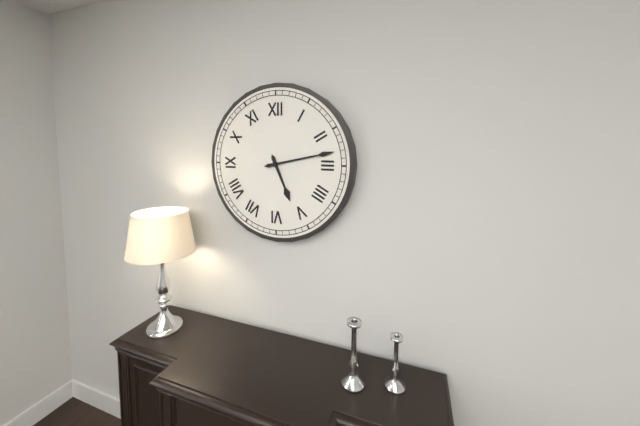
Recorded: h=5 m=13
